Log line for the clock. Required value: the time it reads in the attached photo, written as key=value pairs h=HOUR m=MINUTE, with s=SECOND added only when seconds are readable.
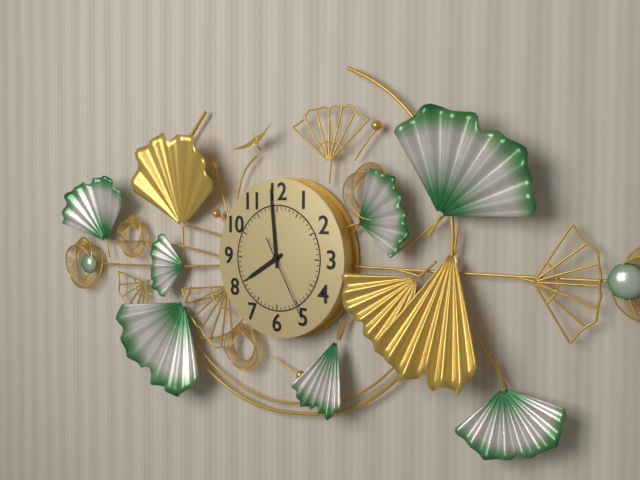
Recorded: h=7 m=59 s=25
